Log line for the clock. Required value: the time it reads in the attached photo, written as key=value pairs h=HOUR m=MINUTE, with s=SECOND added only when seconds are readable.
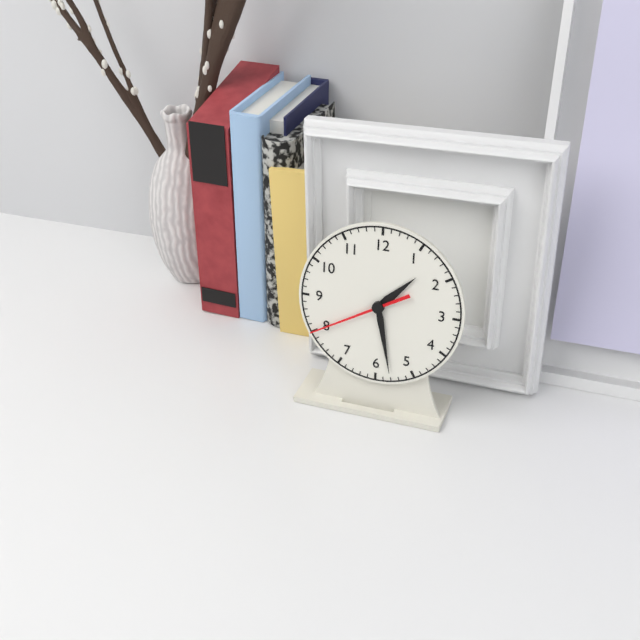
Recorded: h=1 m=28 s=40
